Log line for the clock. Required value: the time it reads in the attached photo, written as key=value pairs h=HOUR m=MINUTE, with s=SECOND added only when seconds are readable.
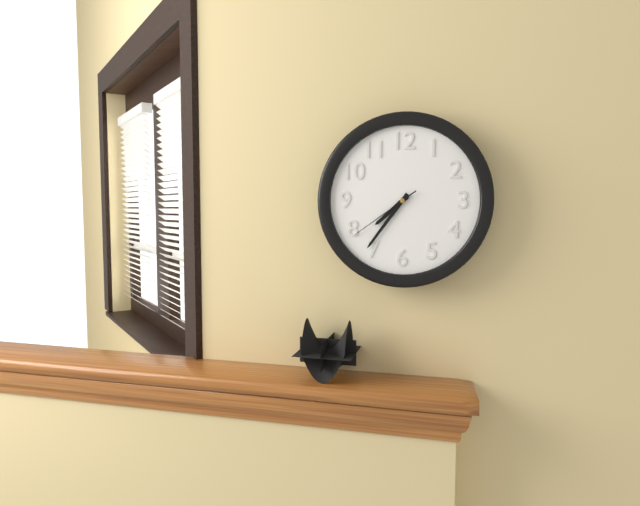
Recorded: h=7 m=36 s=39
